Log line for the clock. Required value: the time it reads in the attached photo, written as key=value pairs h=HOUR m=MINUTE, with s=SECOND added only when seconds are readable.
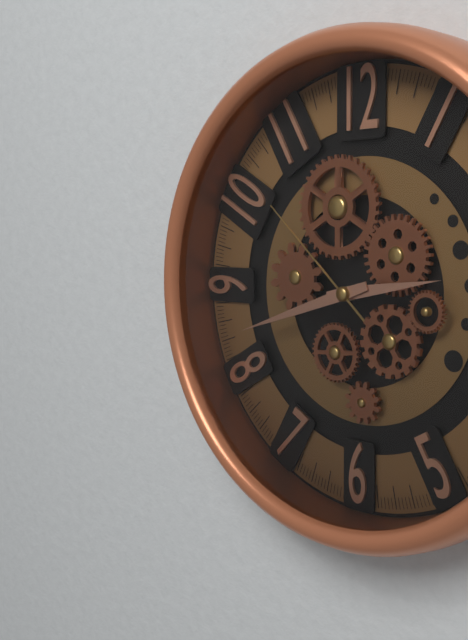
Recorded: h=2 m=42 s=52
